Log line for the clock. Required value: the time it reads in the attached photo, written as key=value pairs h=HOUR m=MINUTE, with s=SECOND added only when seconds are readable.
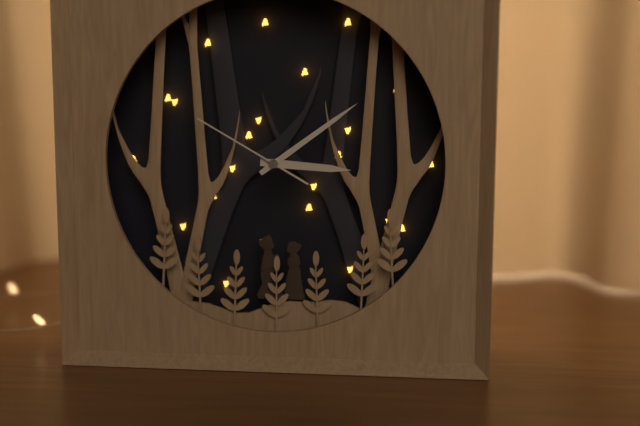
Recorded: h=3 m=9 s=50
